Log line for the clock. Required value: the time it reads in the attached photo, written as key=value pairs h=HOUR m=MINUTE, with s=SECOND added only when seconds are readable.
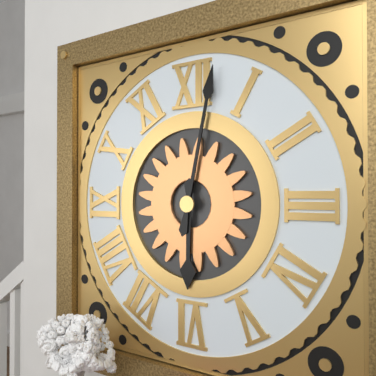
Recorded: h=6 m=2
